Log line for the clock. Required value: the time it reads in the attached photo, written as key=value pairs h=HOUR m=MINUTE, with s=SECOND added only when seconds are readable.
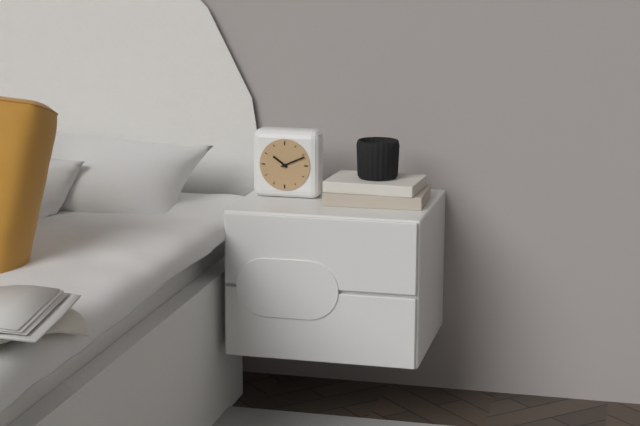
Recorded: h=10 m=11
